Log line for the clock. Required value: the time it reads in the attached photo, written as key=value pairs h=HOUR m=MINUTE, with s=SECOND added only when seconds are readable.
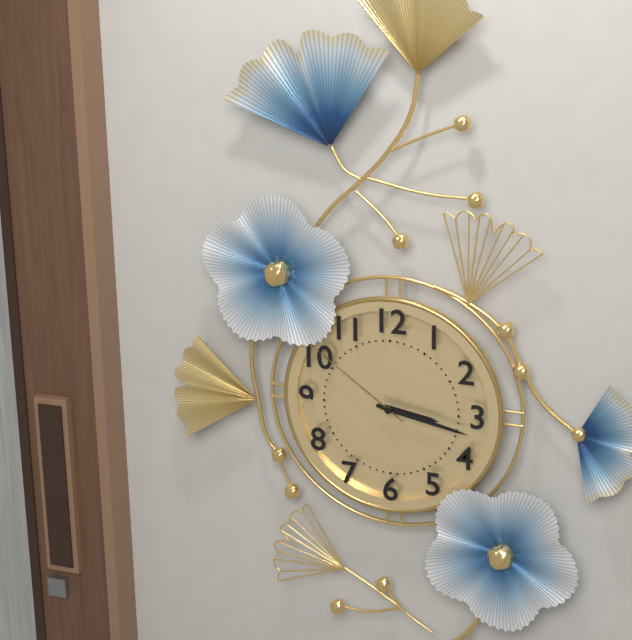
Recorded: h=3 m=17 s=51
